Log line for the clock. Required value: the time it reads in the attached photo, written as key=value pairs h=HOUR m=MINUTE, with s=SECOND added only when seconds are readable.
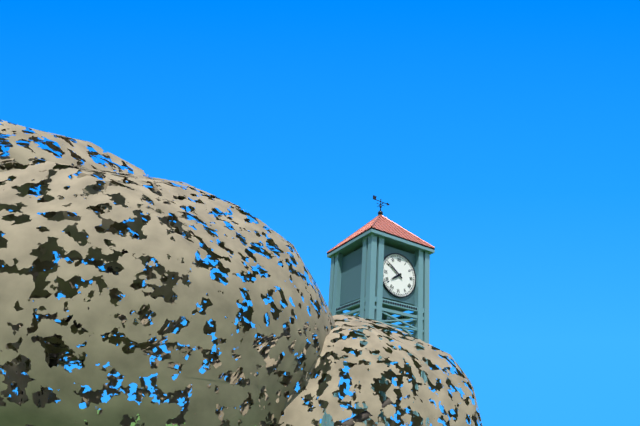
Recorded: h=7 m=51
